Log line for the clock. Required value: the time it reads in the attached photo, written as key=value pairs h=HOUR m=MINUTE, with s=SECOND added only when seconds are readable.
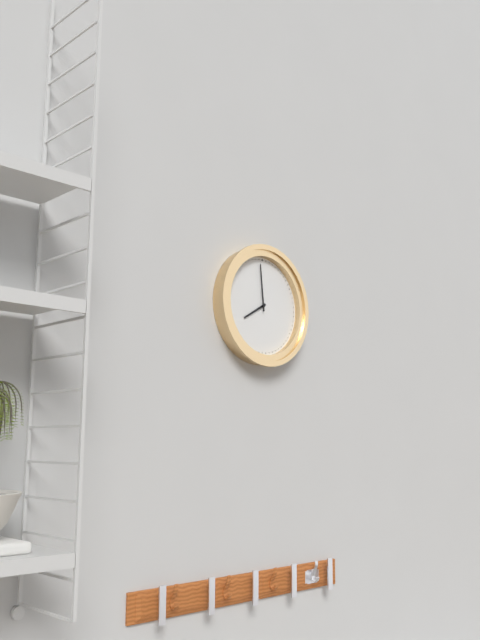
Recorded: h=7 m=59
